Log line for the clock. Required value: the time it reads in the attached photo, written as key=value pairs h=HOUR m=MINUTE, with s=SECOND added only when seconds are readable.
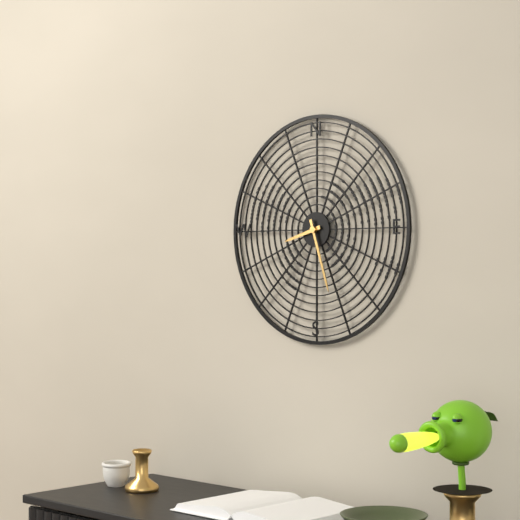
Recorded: h=8 m=27
